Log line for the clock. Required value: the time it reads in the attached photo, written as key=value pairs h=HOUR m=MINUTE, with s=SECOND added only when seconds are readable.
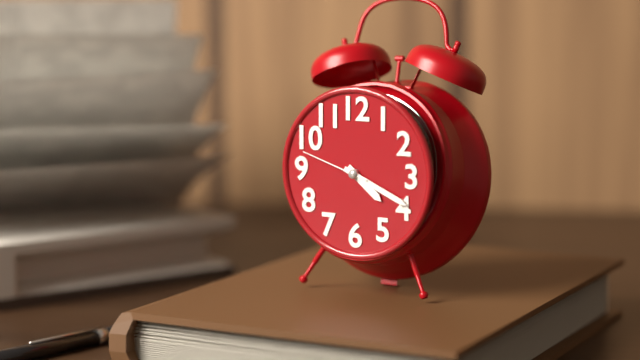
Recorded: h=4 m=19 s=48
